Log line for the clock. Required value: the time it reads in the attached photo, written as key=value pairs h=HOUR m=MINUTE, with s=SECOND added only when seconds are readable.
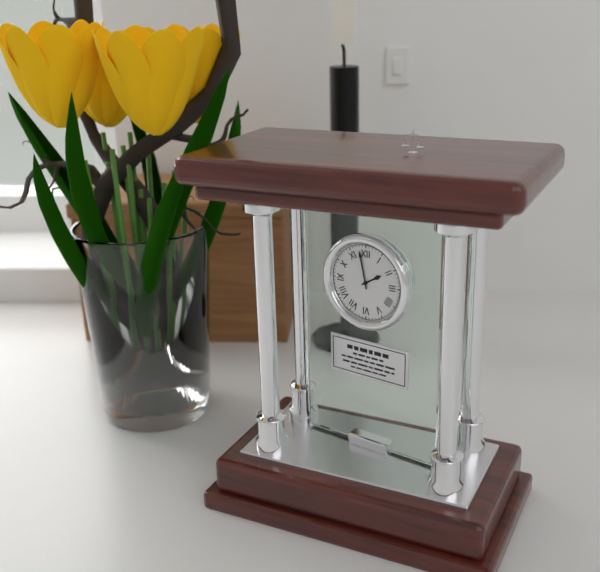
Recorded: h=1 m=58
